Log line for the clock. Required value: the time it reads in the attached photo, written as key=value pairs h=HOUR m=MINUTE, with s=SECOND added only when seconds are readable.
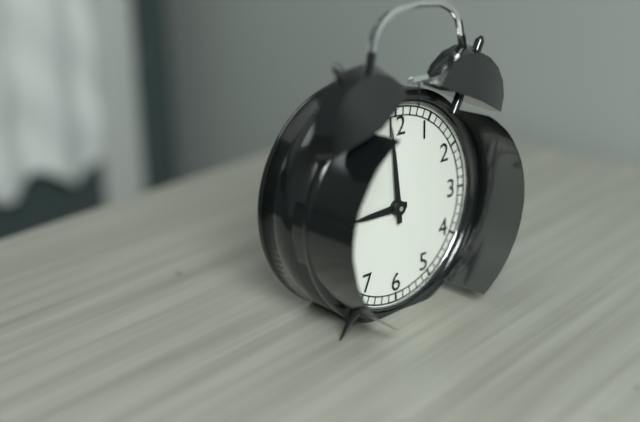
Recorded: h=8 m=59
